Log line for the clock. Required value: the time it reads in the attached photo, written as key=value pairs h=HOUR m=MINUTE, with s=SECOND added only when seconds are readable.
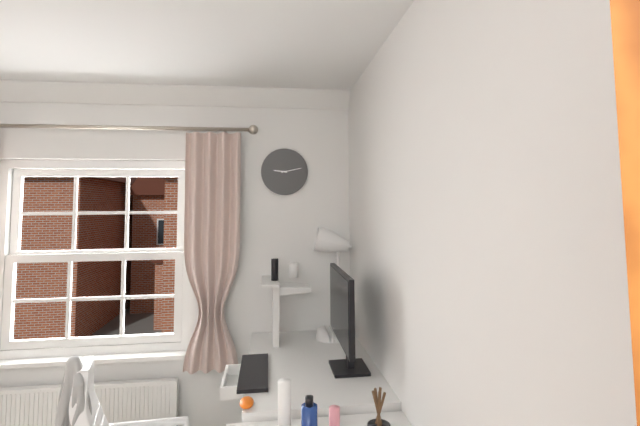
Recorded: h=9 m=13
